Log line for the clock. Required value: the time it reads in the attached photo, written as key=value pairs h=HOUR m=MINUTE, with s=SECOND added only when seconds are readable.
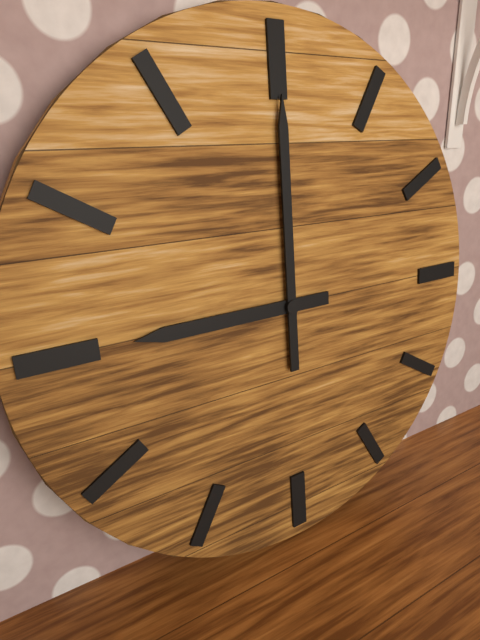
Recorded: h=9 m=0
